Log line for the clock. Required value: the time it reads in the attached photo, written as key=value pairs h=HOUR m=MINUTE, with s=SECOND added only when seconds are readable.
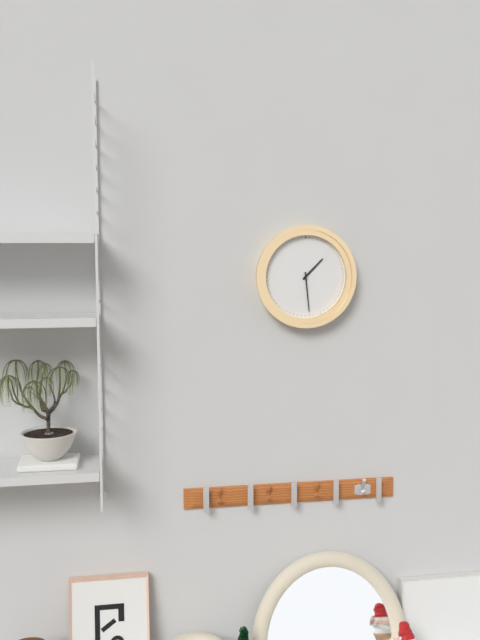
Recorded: h=1 m=29
